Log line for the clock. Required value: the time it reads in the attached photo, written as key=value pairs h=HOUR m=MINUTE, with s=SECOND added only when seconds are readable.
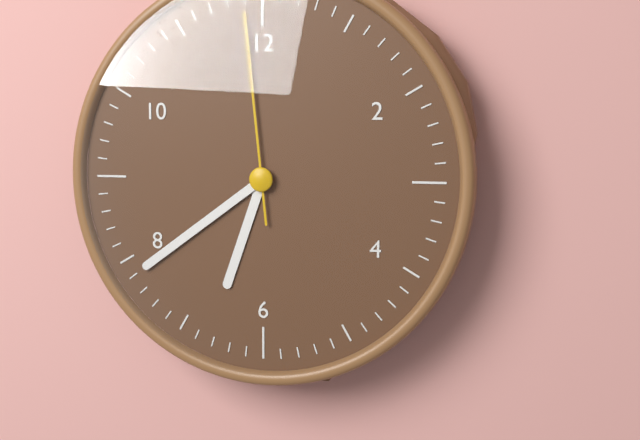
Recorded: h=6 m=39 s=59
